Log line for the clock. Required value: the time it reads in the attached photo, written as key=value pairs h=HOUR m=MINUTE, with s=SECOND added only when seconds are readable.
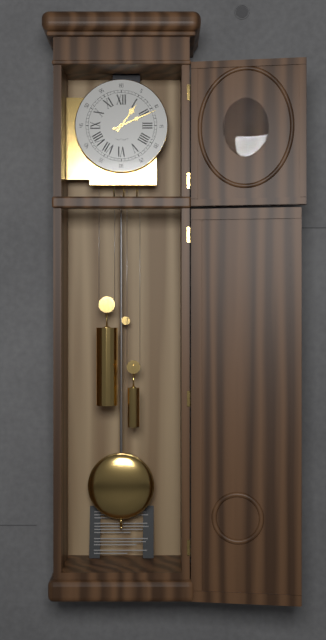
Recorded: h=1 m=11
